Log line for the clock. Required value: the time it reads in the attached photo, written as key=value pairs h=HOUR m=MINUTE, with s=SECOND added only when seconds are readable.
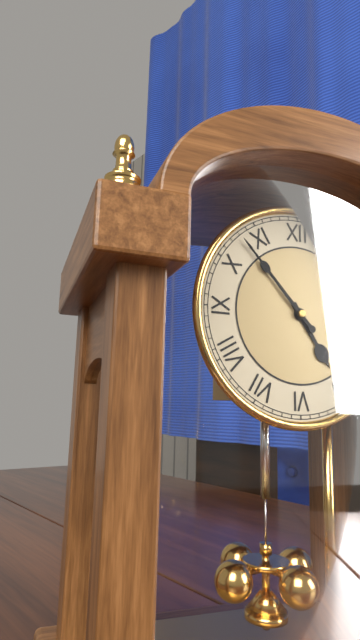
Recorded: h=4 m=53
